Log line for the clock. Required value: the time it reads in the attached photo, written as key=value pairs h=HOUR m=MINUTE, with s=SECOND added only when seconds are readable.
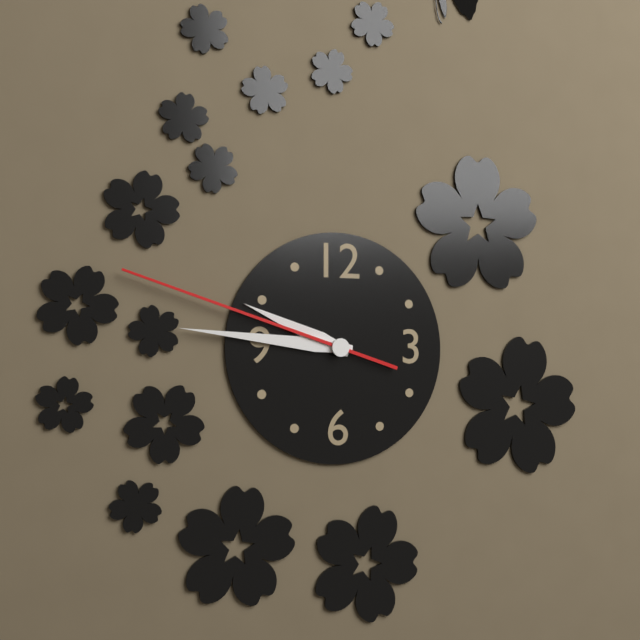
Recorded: h=9 m=46 s=48
